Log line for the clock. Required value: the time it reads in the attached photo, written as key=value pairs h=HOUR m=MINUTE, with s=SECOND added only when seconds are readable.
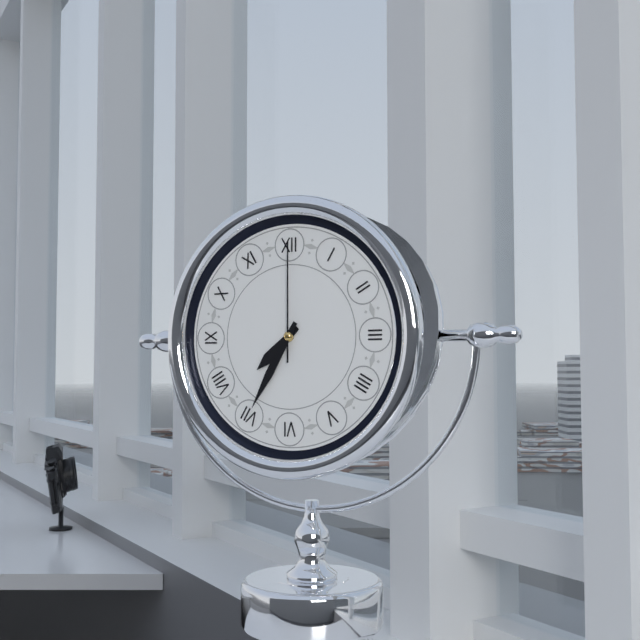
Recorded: h=7 m=35 s=0
